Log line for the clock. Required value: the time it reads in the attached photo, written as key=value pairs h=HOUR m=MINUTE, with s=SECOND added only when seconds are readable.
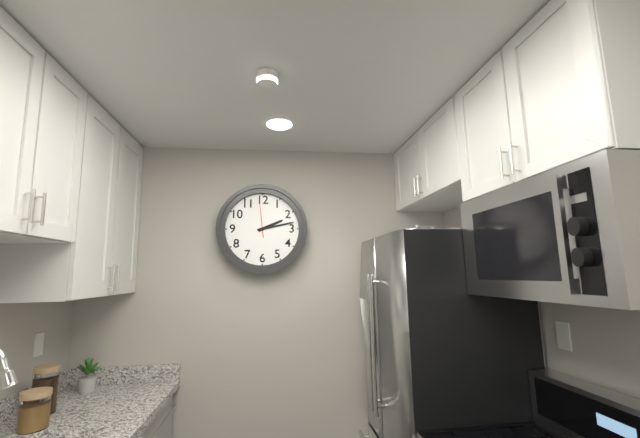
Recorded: h=2 m=13
